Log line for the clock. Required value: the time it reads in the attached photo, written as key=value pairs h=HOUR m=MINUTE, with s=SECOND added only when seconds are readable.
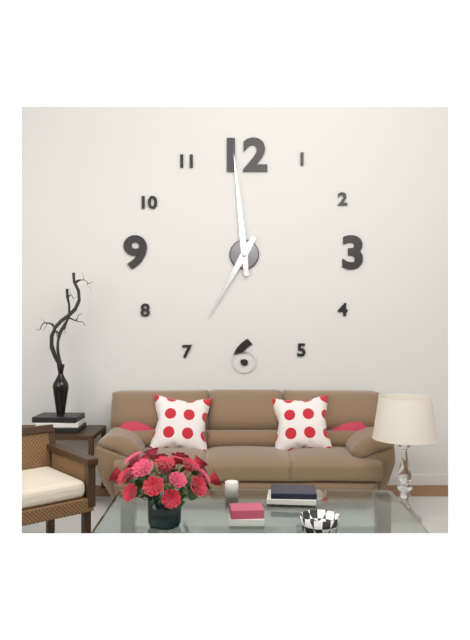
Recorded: h=6 m=59
